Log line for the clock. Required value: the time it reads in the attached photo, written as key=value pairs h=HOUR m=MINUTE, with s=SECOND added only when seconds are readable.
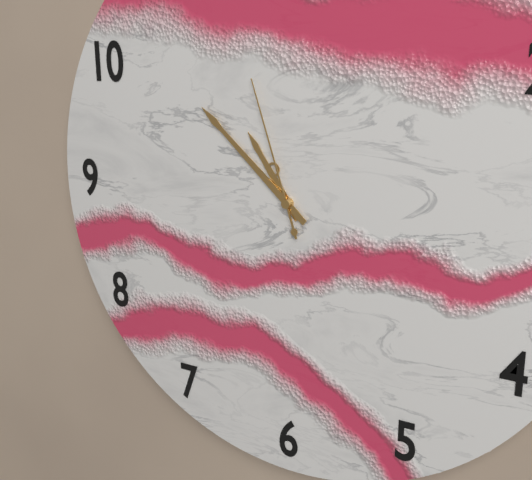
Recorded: h=10 m=52 s=57
